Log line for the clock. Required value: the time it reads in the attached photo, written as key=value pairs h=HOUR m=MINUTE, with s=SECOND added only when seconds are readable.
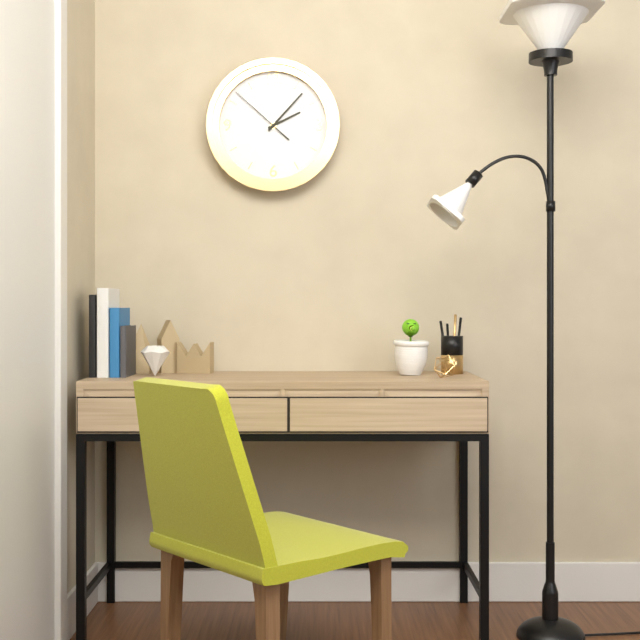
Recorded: h=2 m=7 s=52
